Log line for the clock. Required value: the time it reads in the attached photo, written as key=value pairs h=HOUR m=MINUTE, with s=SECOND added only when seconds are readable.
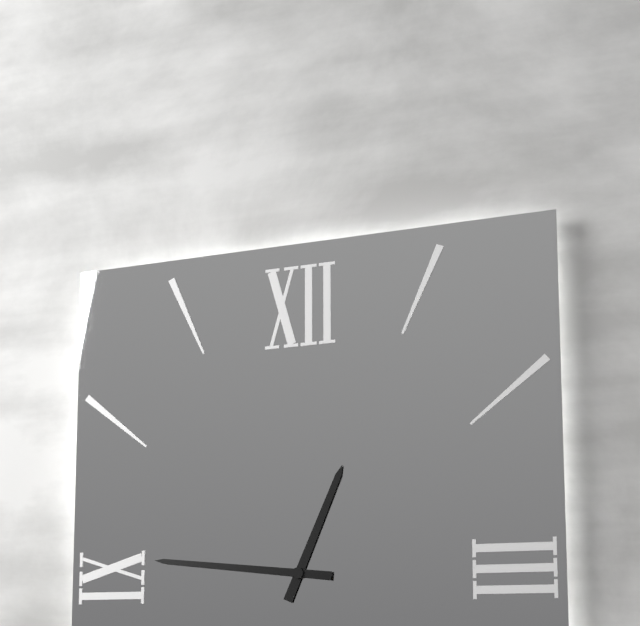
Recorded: h=12 m=46
